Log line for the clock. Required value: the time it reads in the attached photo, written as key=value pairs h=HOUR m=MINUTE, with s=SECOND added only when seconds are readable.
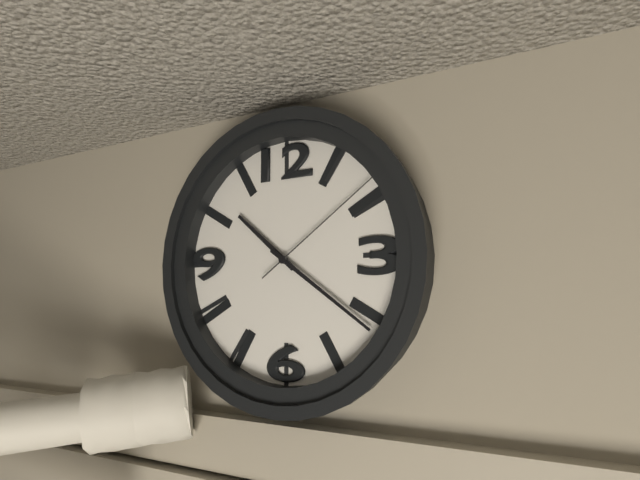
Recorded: h=10 m=21 s=9
